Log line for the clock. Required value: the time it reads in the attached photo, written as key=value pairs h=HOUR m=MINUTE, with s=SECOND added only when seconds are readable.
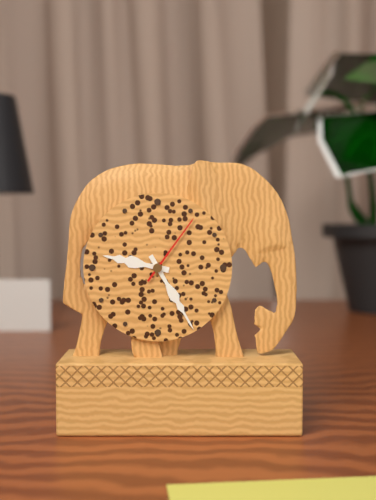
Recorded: h=9 m=25 s=6
